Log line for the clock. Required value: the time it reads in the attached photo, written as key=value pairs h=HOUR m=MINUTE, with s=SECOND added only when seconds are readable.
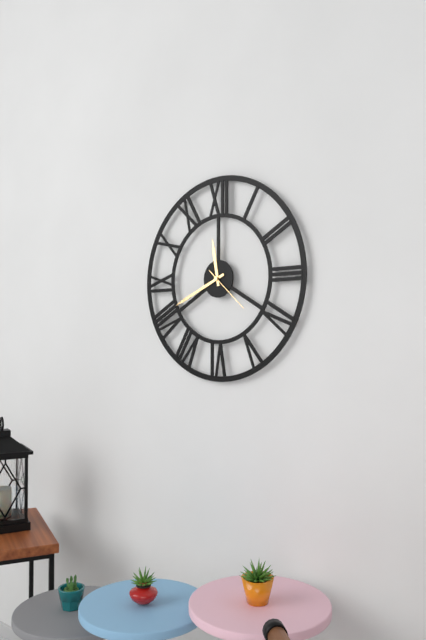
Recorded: h=11 m=41
